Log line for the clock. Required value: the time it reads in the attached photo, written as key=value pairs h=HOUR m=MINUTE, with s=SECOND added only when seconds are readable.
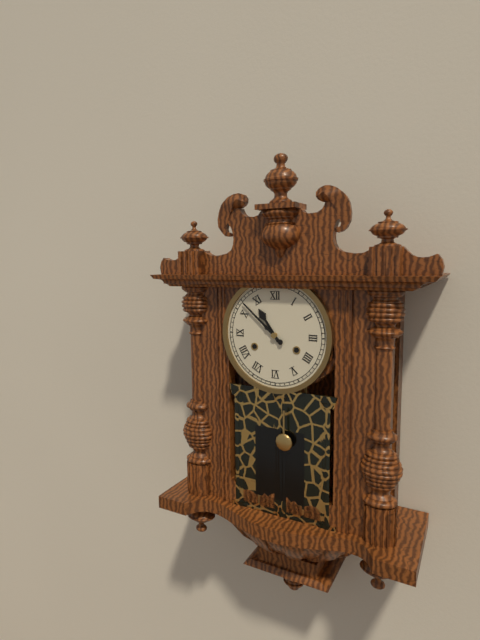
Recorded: h=10 m=52
